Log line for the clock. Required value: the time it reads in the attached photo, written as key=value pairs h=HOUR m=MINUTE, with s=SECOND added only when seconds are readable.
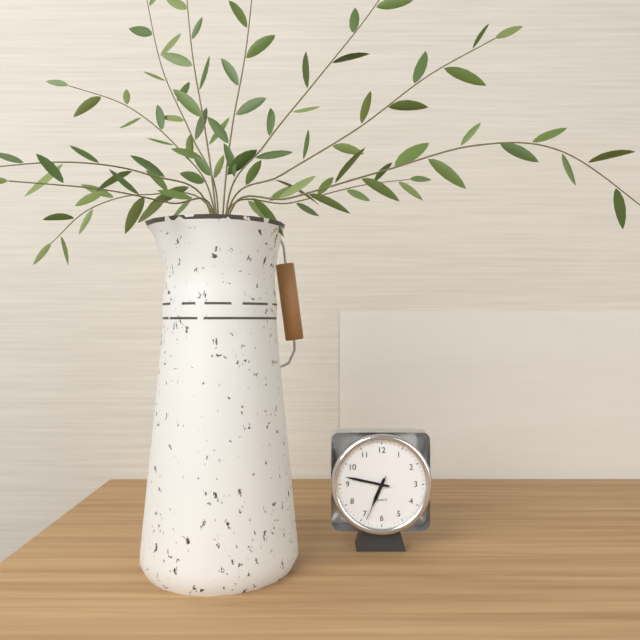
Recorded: h=6 m=47
